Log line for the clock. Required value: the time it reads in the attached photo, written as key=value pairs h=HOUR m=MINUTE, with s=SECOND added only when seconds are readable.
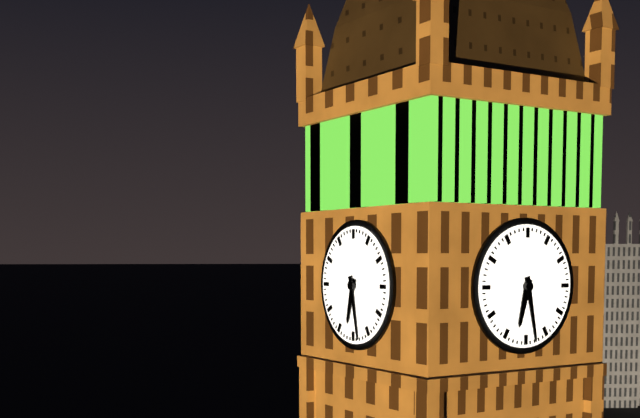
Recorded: h=6 m=28
